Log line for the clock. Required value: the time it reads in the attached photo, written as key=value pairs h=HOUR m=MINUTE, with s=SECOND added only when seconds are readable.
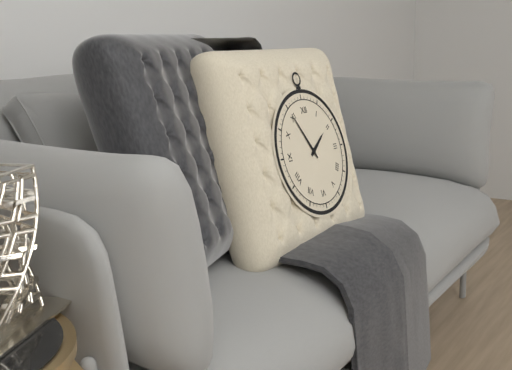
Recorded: h=1 m=55
